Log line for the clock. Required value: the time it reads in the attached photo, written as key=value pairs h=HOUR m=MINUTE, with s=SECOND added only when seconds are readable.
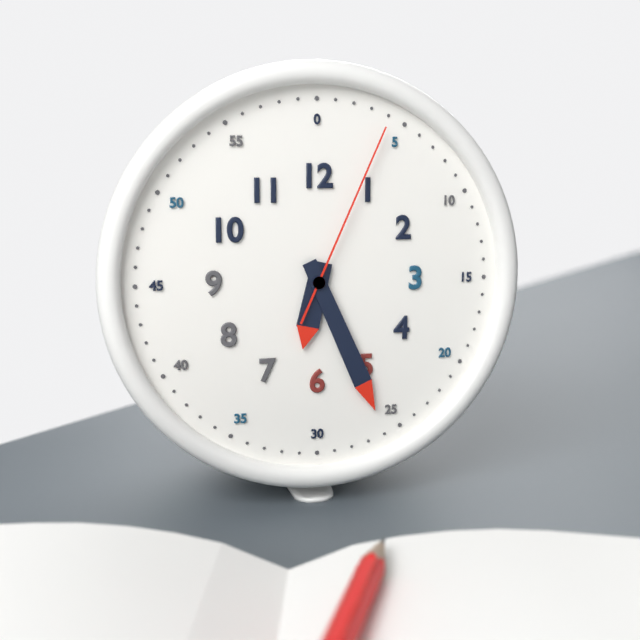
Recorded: h=6 m=26 s=4
